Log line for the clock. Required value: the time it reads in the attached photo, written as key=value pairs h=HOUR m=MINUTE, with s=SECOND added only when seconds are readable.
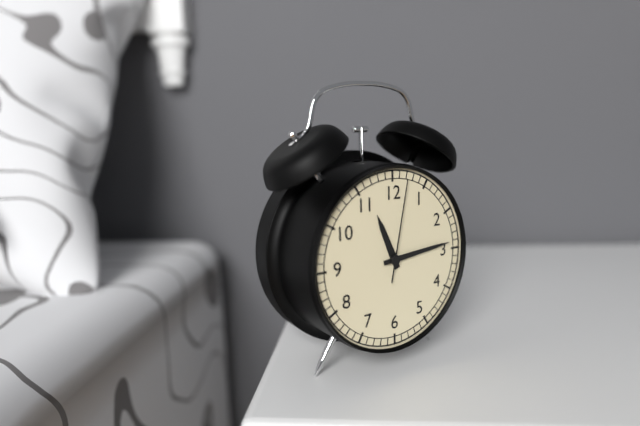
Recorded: h=11 m=14 s=2
